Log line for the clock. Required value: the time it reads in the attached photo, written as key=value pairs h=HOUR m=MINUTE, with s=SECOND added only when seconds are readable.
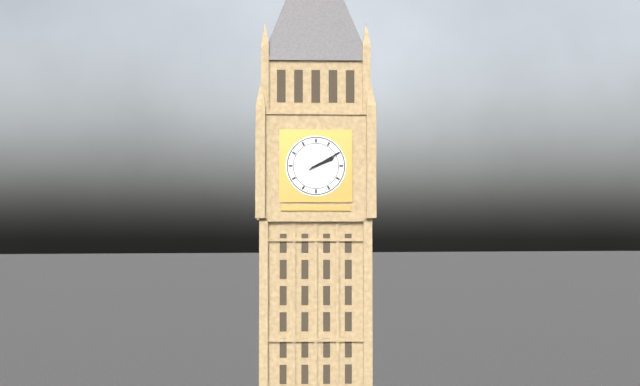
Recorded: h=2 m=10
